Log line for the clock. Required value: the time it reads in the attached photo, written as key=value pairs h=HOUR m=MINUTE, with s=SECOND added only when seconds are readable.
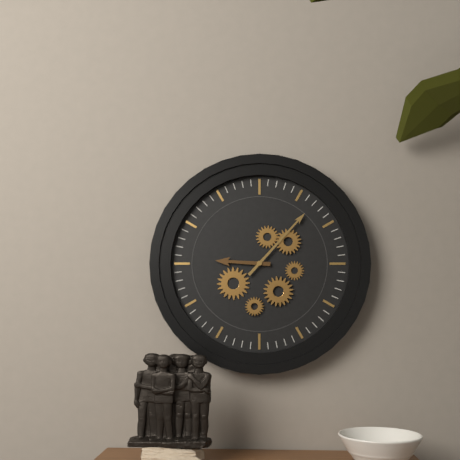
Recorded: h=9 m=7
